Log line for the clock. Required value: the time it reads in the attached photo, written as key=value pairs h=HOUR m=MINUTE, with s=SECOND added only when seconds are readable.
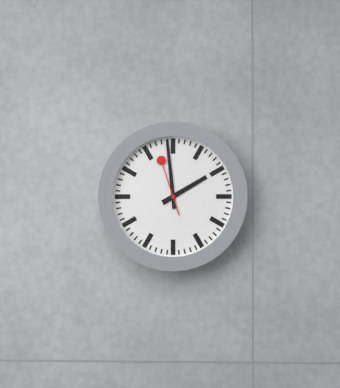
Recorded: h=1 m=59 s=57
